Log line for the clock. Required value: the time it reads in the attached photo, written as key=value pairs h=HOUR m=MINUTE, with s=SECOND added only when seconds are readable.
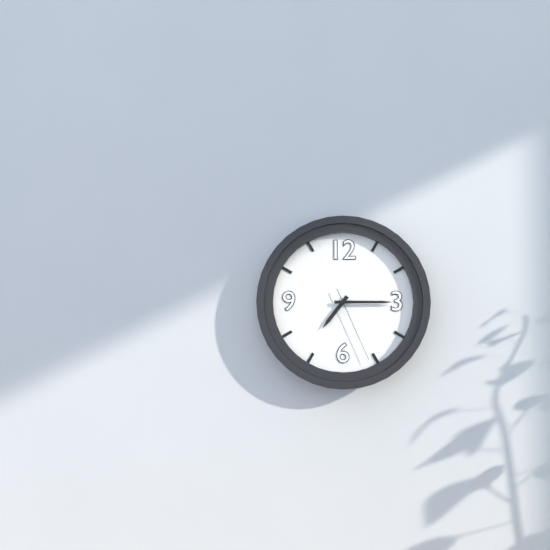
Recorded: h=7 m=15 s=26
